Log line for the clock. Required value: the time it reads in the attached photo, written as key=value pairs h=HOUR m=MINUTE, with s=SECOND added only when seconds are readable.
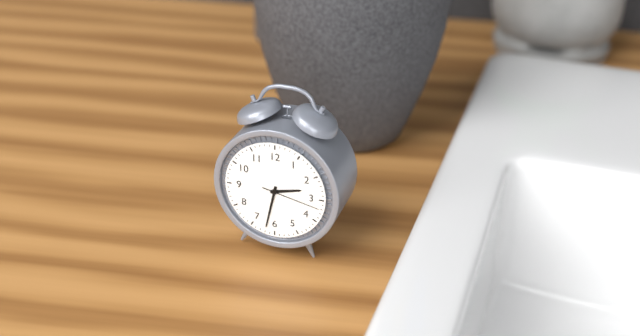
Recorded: h=2 m=32 s=17
